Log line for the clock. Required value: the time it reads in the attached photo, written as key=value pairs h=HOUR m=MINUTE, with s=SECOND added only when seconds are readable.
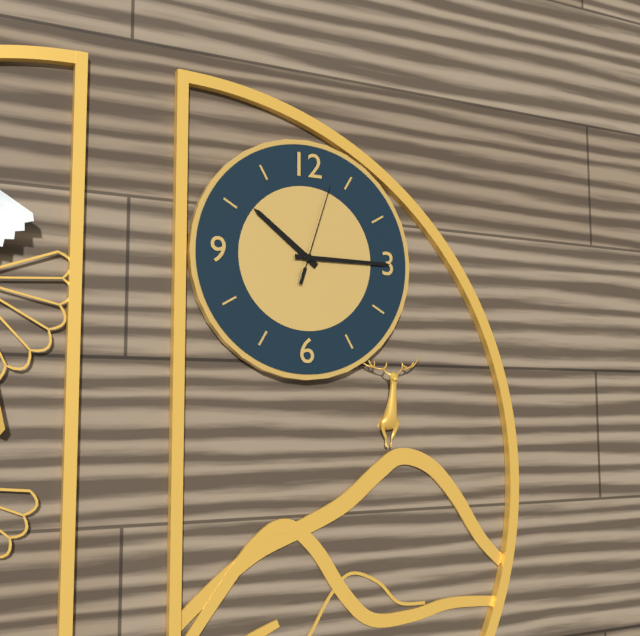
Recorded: h=10 m=15 s=3
